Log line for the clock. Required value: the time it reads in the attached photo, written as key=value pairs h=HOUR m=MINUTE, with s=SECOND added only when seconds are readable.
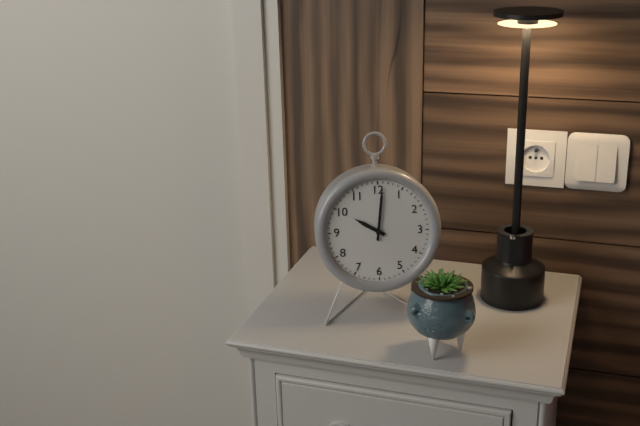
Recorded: h=10 m=1
